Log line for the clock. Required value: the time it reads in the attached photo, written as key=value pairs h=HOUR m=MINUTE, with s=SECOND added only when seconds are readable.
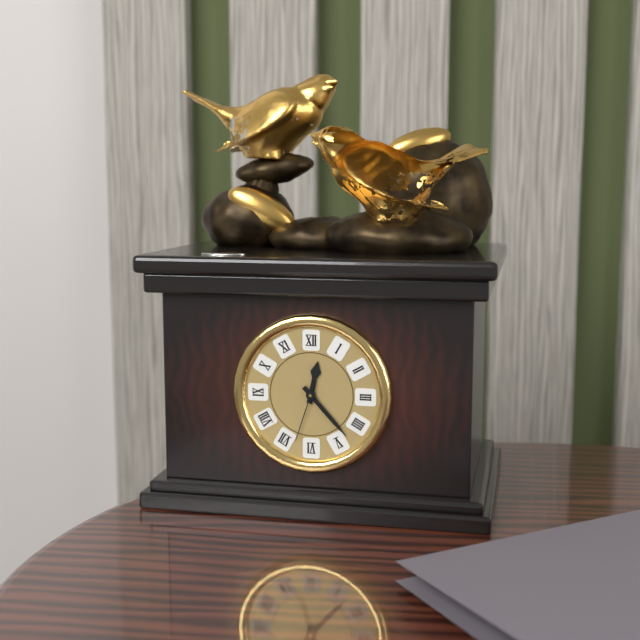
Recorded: h=12 m=23 s=33
